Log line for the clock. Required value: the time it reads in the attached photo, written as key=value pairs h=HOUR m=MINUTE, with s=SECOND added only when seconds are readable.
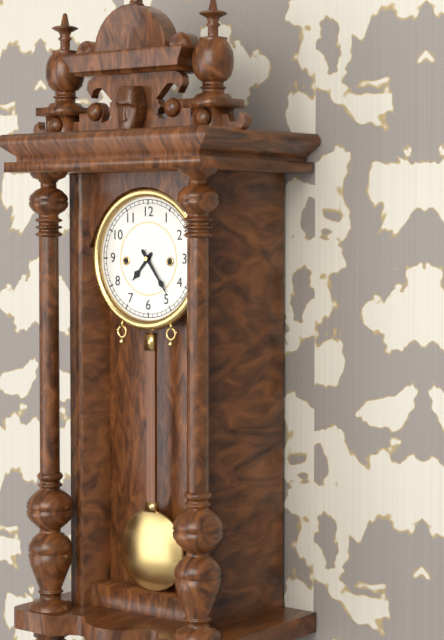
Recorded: h=7 m=24
